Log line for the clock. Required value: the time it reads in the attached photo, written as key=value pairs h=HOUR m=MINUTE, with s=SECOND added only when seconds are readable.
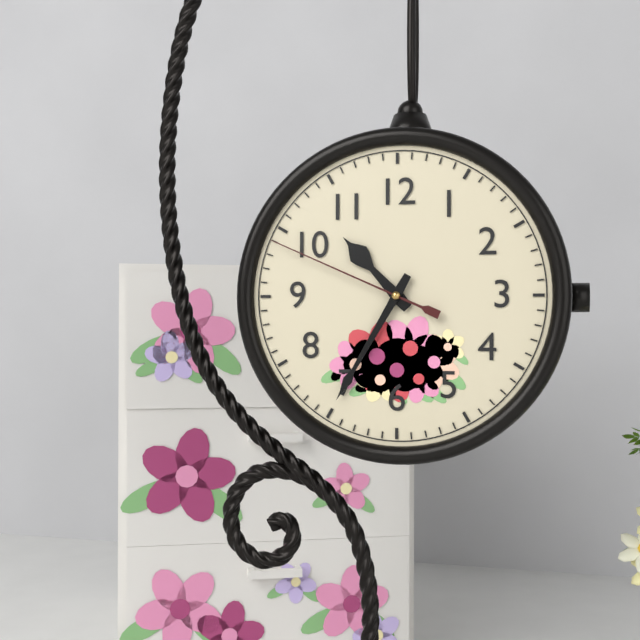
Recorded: h=10 m=35 s=49
